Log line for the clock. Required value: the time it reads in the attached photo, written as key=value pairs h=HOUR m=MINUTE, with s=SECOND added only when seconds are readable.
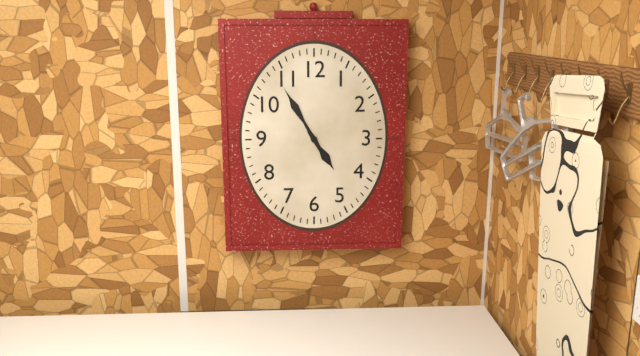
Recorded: h=4 m=55
